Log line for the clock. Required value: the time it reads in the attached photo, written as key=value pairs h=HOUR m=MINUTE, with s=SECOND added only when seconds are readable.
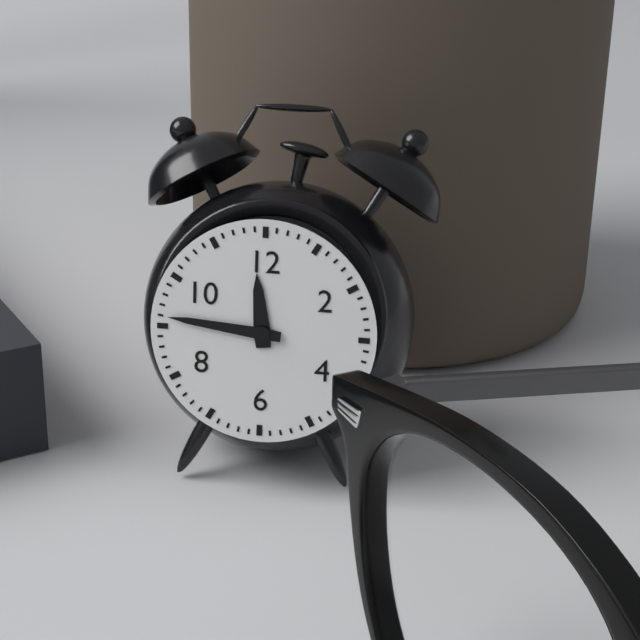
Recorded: h=11 m=46
